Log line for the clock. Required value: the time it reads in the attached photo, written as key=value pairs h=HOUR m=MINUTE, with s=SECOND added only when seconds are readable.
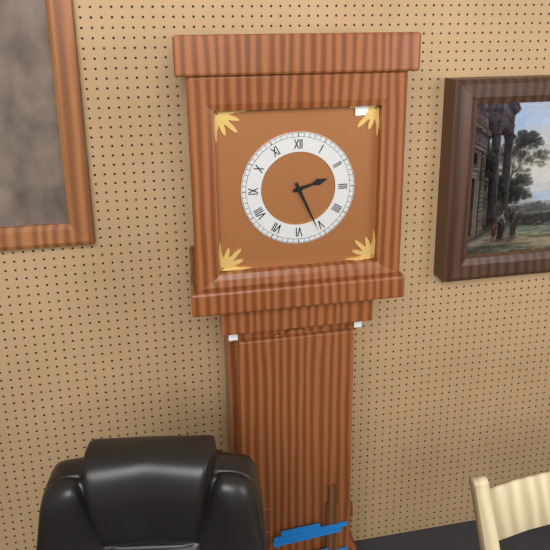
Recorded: h=2 m=26
